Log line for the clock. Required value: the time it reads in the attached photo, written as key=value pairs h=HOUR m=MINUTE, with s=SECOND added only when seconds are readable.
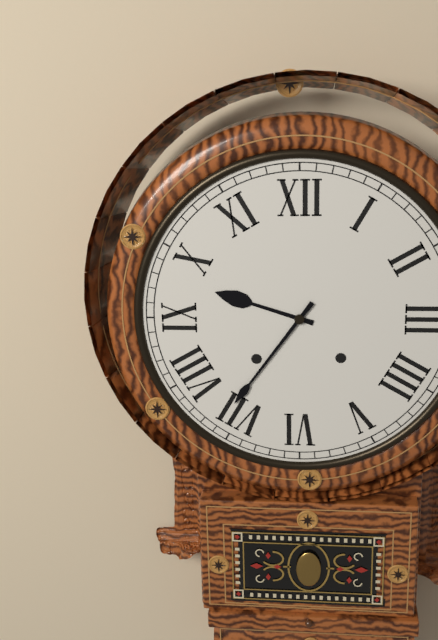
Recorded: h=9 m=36
